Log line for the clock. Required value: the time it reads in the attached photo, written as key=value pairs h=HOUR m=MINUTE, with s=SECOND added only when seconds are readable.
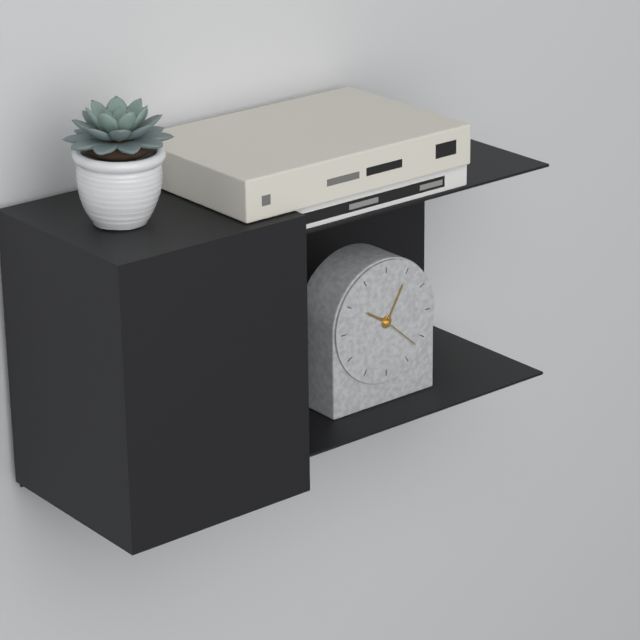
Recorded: h=10 m=5
